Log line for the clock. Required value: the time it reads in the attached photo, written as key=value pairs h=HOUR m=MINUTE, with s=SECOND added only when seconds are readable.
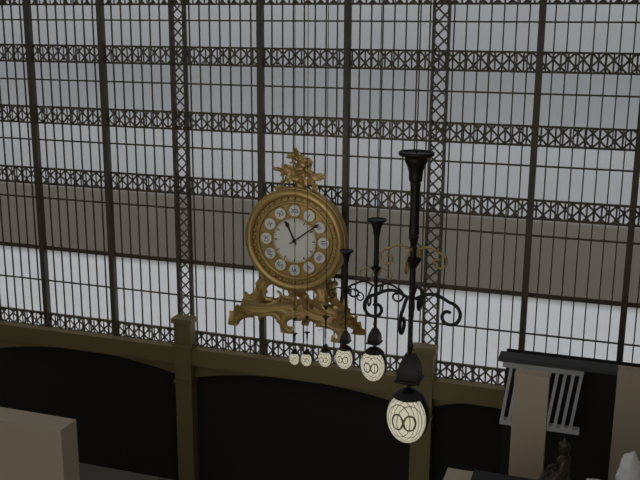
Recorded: h=11 m=9
